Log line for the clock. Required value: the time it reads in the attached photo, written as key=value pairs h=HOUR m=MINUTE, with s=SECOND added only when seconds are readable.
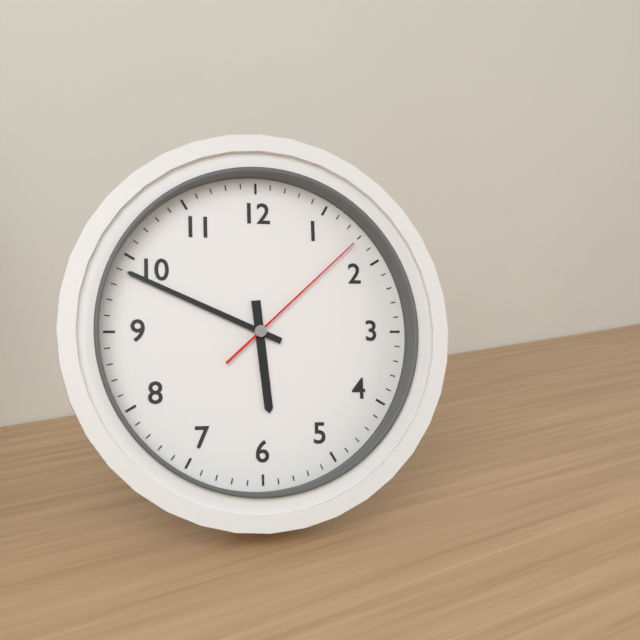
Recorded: h=5 m=49 s=8
